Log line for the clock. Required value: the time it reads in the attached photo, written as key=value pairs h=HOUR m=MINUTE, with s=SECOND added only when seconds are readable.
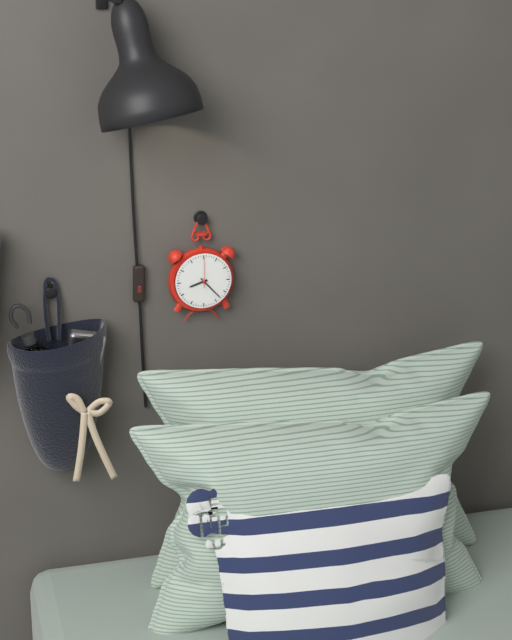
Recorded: h=8 m=23
